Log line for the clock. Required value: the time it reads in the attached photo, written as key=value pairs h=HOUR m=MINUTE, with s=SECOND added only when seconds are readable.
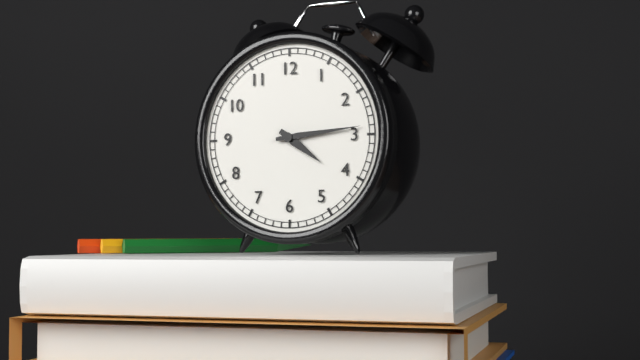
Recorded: h=4 m=14
